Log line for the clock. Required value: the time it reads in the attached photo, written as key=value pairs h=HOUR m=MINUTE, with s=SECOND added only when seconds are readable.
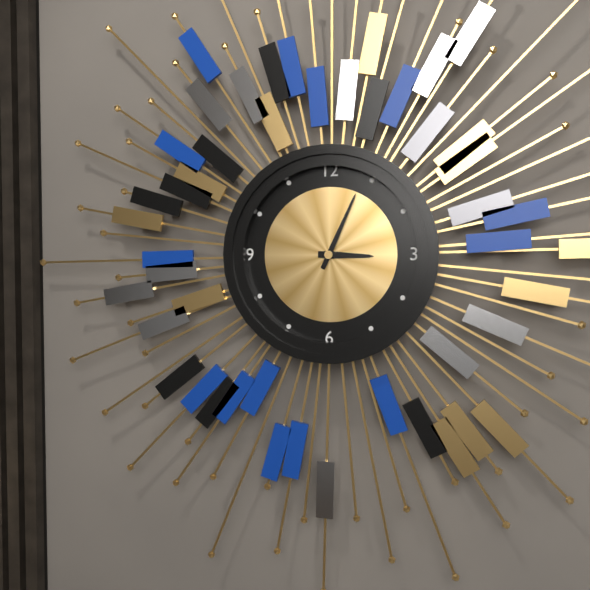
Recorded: h=3 m=4
